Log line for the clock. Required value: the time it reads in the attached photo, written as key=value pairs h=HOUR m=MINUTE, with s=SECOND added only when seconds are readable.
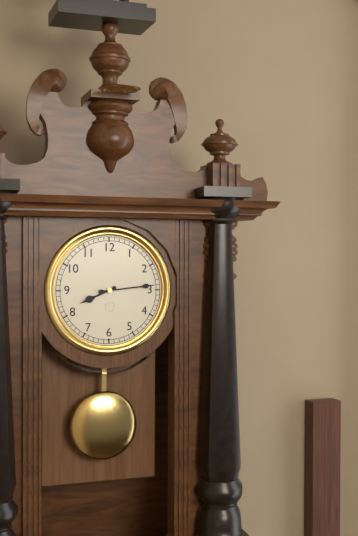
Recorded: h=8 m=14
